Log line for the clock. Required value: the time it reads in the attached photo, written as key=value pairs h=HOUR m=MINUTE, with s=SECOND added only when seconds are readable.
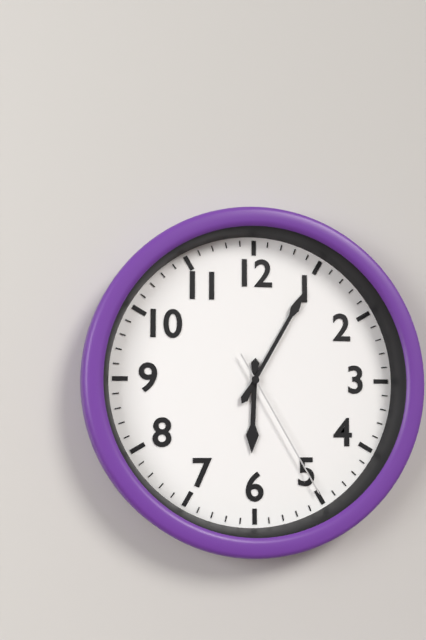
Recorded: h=6 m=5 s=25
